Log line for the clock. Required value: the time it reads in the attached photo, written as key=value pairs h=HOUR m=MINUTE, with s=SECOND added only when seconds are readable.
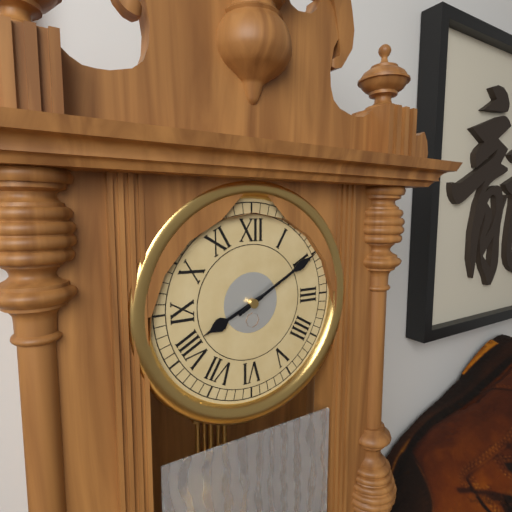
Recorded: h=8 m=10
